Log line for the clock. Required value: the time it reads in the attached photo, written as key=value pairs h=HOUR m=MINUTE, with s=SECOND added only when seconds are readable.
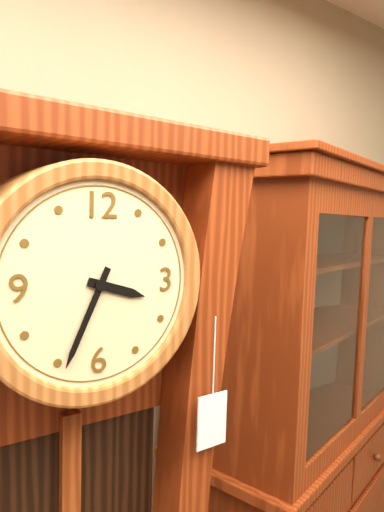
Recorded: h=3 m=34
